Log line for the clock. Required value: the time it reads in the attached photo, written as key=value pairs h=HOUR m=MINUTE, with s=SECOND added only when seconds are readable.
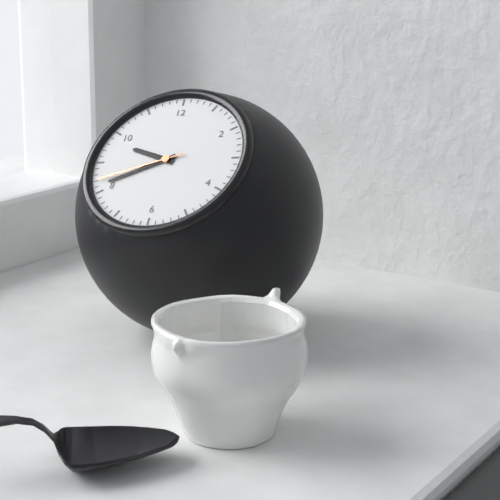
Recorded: h=9 m=41 s=42
